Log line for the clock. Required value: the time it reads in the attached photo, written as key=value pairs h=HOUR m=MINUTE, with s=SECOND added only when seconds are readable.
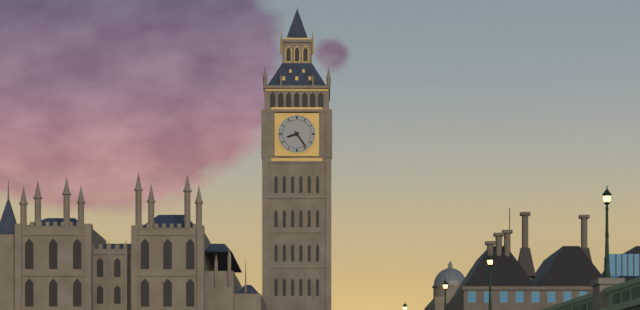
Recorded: h=8 m=24
